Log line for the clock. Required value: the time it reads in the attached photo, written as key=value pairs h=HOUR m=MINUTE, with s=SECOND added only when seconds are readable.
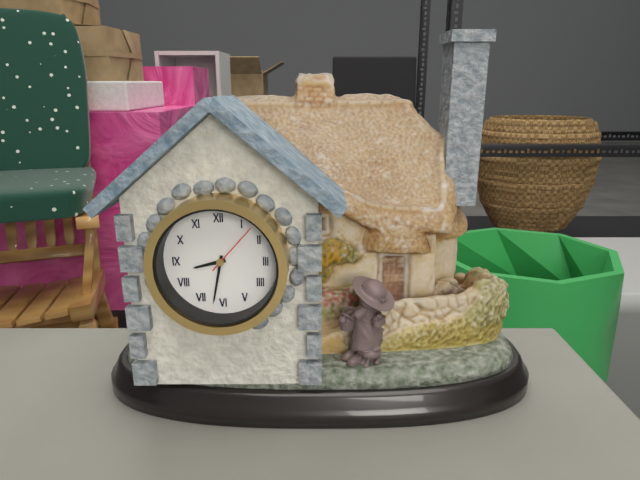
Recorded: h=8 m=32 s=7
